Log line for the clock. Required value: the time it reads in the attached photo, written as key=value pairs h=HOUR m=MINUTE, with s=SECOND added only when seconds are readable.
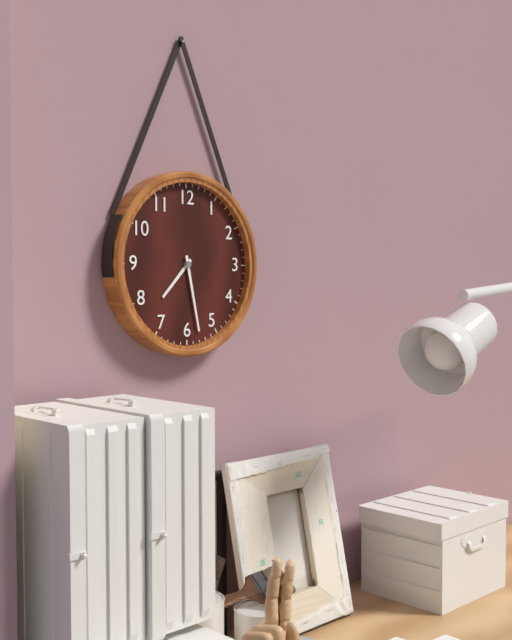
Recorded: h=7 m=28
